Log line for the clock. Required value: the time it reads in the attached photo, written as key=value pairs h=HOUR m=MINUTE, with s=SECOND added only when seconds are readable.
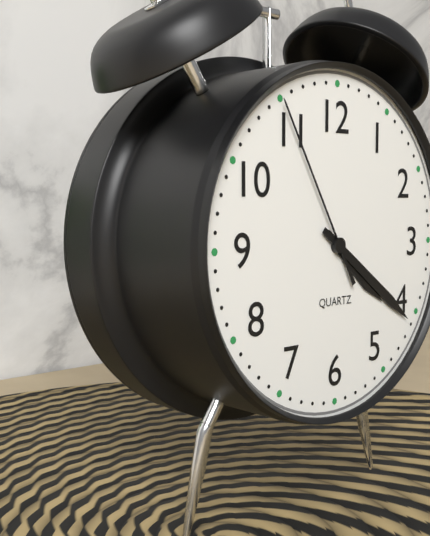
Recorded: h=4 m=21 s=55
